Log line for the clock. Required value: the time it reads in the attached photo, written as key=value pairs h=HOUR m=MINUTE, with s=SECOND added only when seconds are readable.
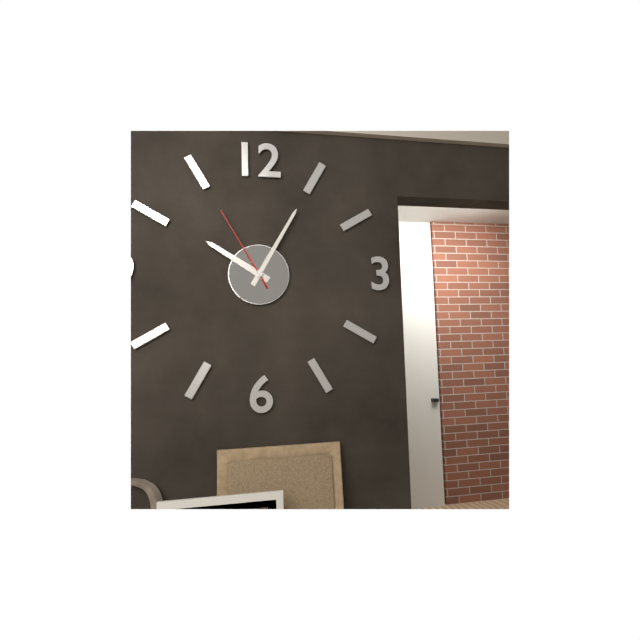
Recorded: h=10 m=5 s=55
